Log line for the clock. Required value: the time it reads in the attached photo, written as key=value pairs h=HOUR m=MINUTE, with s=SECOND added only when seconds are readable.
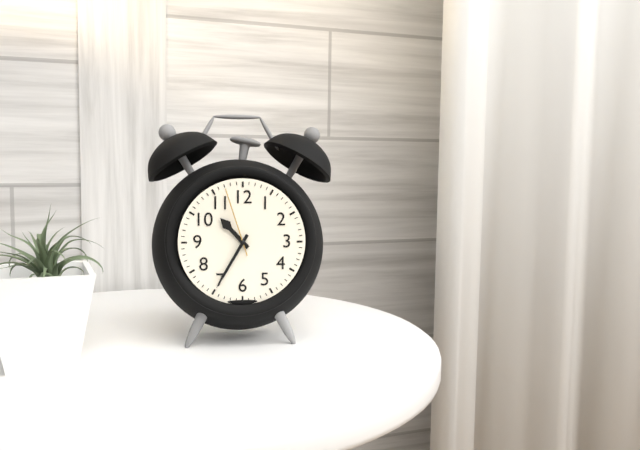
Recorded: h=10 m=35 s=57
